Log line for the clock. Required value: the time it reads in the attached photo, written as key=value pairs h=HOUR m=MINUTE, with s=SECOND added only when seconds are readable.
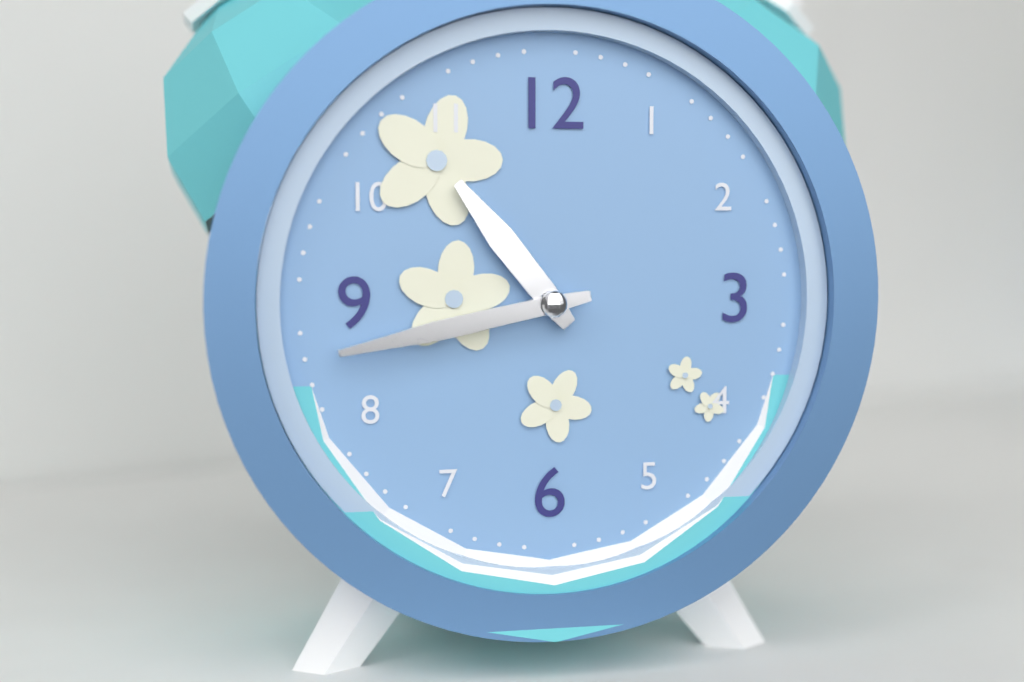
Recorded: h=10 m=43
